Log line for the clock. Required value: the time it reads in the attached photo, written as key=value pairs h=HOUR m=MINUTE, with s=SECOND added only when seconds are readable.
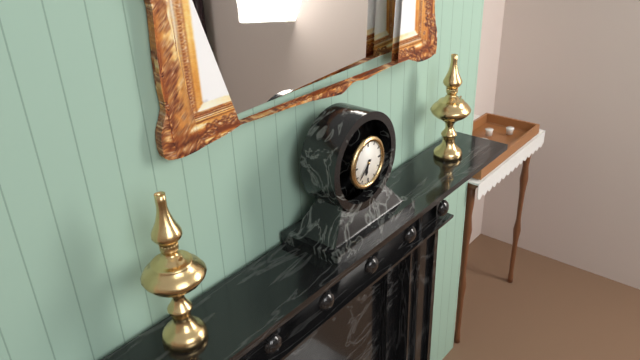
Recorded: h=6 m=38
